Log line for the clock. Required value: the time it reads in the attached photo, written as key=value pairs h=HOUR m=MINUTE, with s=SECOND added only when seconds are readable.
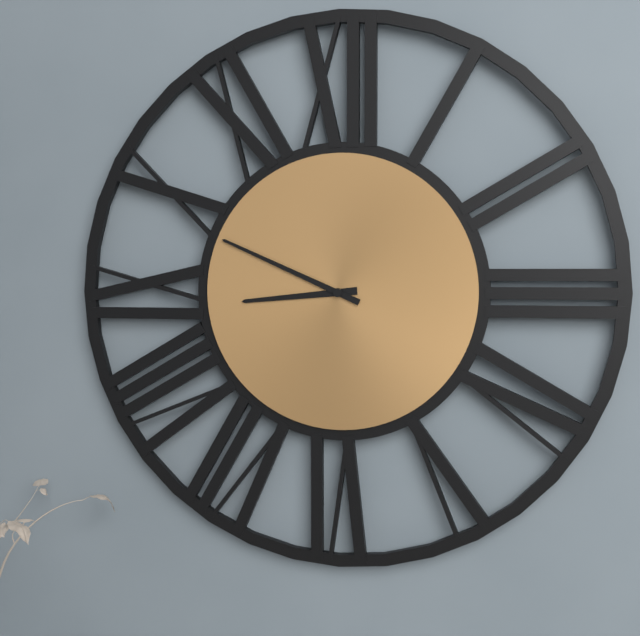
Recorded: h=8 m=49
